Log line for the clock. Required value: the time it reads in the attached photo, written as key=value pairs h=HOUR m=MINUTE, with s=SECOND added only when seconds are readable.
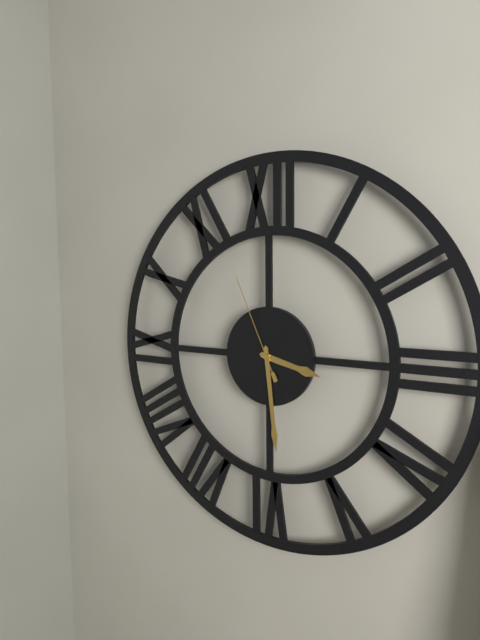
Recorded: h=3 m=29 s=56
